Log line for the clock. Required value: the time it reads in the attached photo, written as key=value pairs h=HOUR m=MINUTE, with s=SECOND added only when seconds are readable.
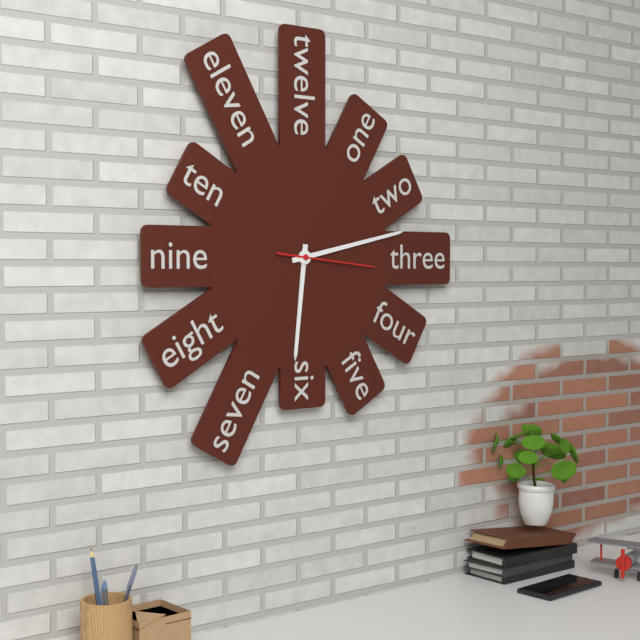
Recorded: h=6 m=13 s=16
